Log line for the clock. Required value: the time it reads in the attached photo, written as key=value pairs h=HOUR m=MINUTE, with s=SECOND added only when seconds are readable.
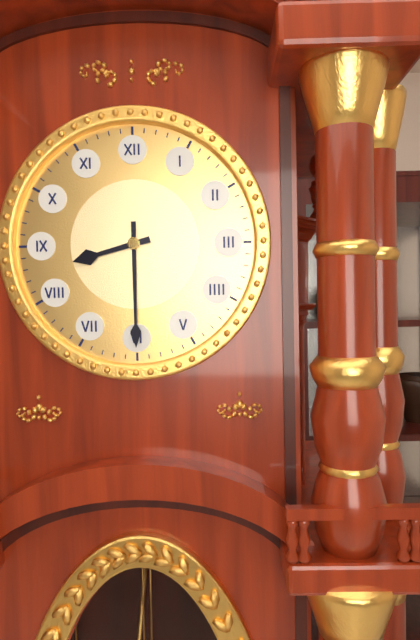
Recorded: h=8 m=30
